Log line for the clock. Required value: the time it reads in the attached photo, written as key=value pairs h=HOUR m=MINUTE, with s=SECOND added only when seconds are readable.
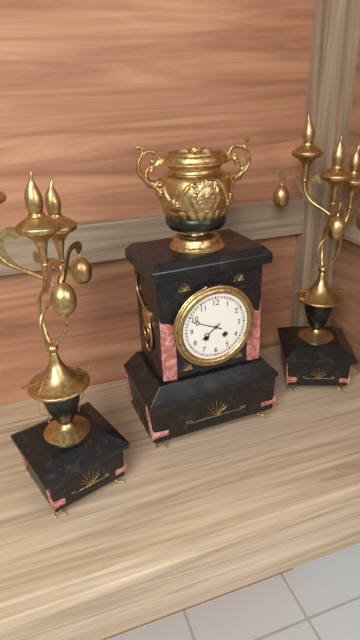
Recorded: h=7 m=49
